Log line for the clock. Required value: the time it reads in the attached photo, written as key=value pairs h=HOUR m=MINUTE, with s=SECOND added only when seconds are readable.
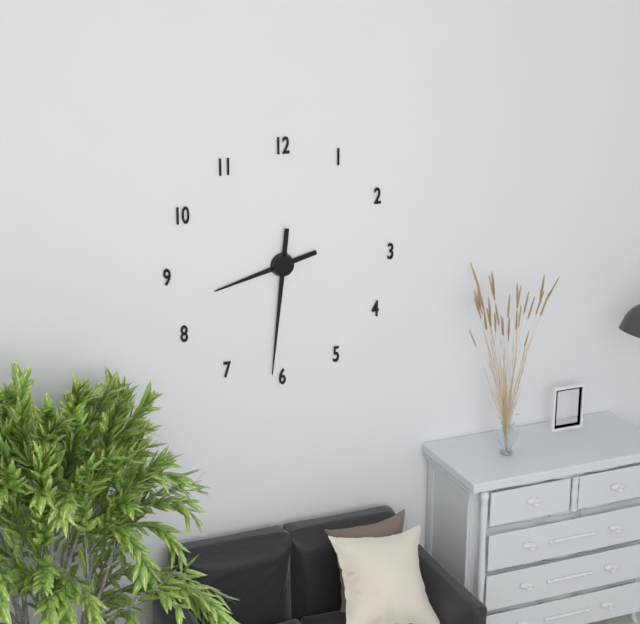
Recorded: h=8 m=31
